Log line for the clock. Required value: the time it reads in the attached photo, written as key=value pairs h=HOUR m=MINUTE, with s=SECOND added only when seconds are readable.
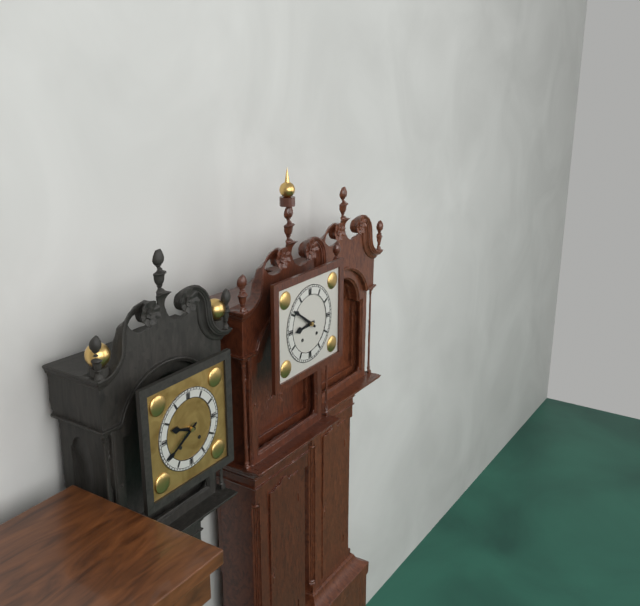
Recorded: h=8 m=51
